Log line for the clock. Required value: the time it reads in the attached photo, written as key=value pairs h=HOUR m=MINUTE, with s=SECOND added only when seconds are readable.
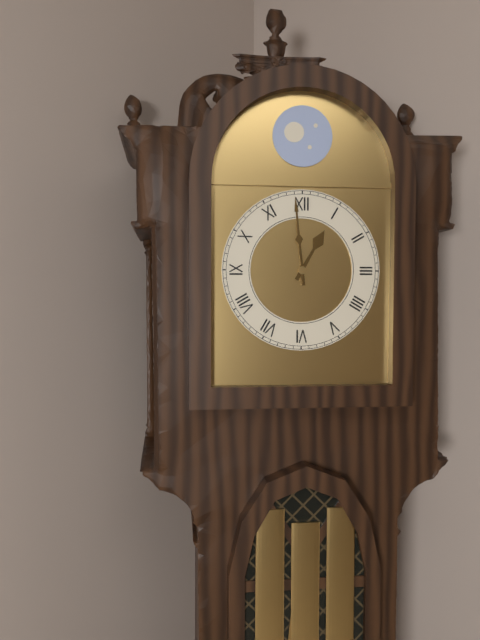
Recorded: h=12 m=59
